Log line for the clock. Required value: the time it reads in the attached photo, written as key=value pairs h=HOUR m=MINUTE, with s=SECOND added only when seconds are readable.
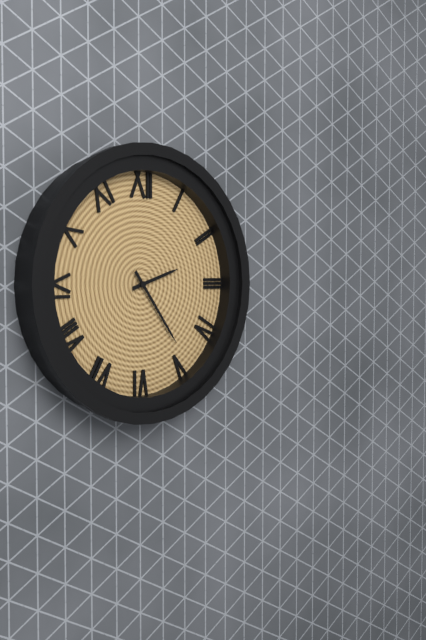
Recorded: h=2 m=24
